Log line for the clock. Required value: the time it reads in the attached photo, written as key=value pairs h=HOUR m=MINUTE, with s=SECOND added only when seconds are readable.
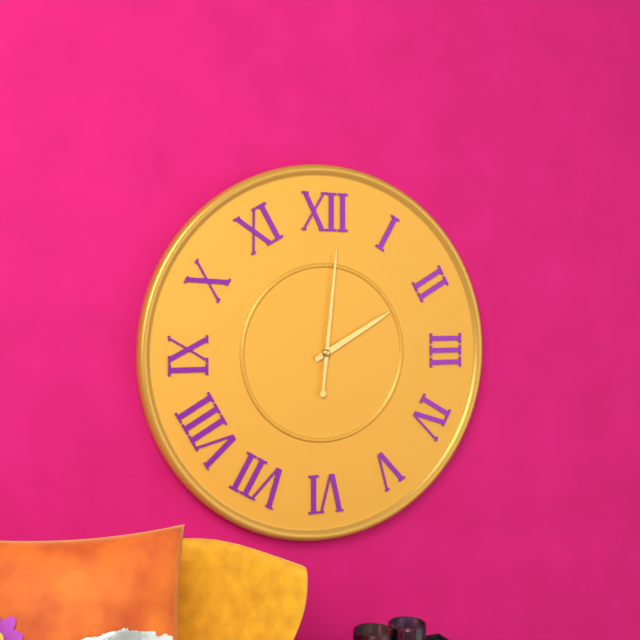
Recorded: h=2 m=1
